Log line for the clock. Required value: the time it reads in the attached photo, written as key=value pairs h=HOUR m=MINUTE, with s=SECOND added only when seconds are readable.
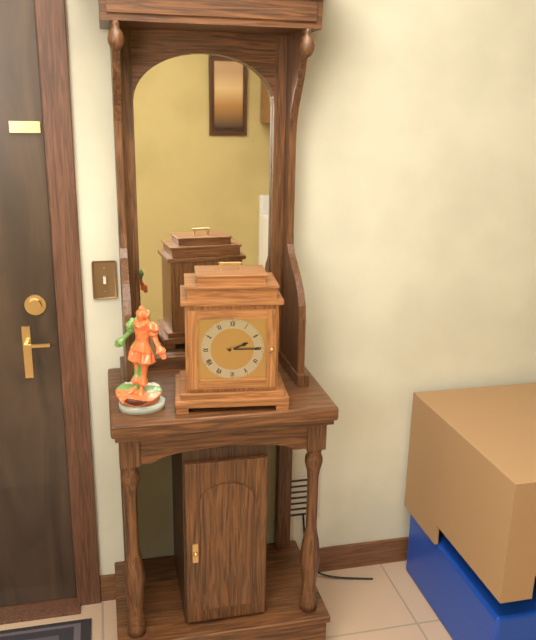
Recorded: h=2 m=15
